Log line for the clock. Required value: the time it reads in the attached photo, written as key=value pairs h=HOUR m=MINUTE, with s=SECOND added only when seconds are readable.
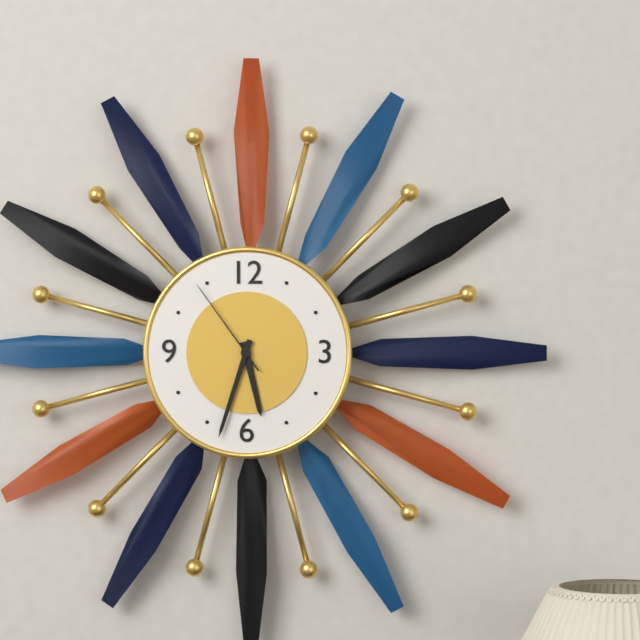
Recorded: h=5 m=33 s=54
